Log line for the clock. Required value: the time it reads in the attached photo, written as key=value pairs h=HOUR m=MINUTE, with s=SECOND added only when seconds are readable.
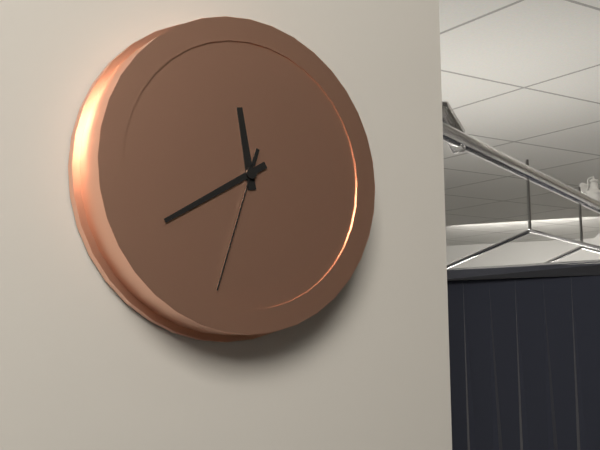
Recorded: h=11 m=40 s=33
